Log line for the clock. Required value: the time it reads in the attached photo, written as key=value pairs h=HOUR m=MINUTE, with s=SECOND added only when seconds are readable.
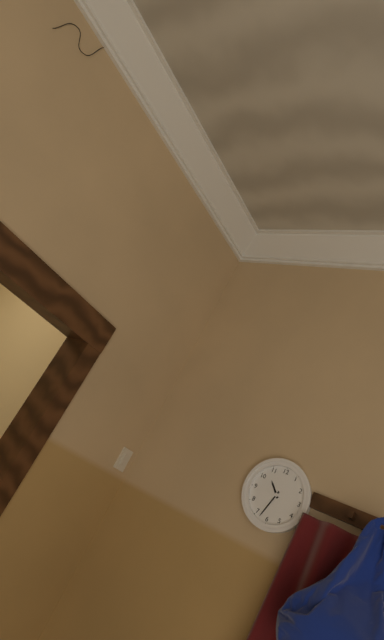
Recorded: h=10 m=33
